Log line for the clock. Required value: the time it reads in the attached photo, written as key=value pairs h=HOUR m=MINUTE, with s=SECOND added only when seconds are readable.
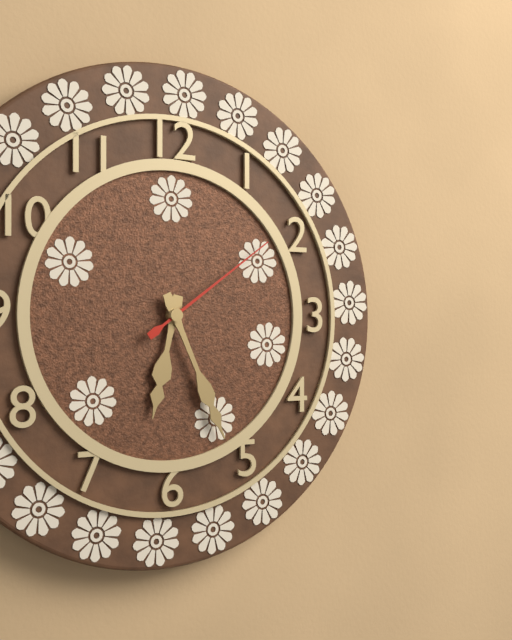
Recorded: h=6 m=26 s=9
